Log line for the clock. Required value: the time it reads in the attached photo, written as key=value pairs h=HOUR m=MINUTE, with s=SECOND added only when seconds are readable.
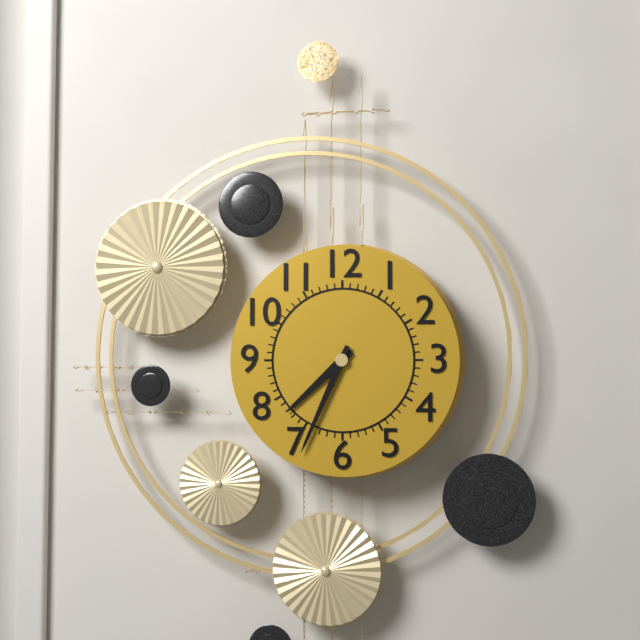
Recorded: h=7 m=34
